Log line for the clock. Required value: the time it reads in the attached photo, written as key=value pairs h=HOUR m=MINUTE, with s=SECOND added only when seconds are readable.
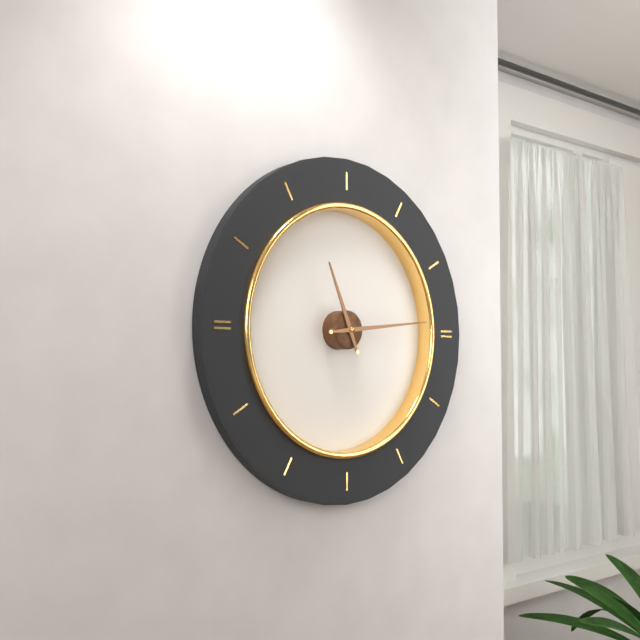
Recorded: h=11 m=14
